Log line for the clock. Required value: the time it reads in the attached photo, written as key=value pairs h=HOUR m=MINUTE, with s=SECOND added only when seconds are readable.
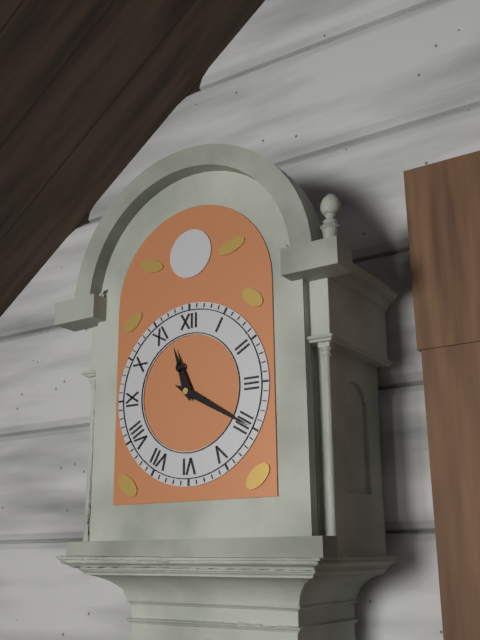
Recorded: h=11 m=20
